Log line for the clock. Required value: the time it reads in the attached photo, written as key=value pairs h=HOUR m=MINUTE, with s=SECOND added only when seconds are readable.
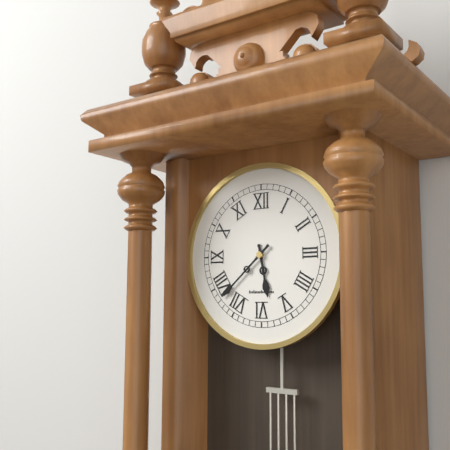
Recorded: h=5 m=38
